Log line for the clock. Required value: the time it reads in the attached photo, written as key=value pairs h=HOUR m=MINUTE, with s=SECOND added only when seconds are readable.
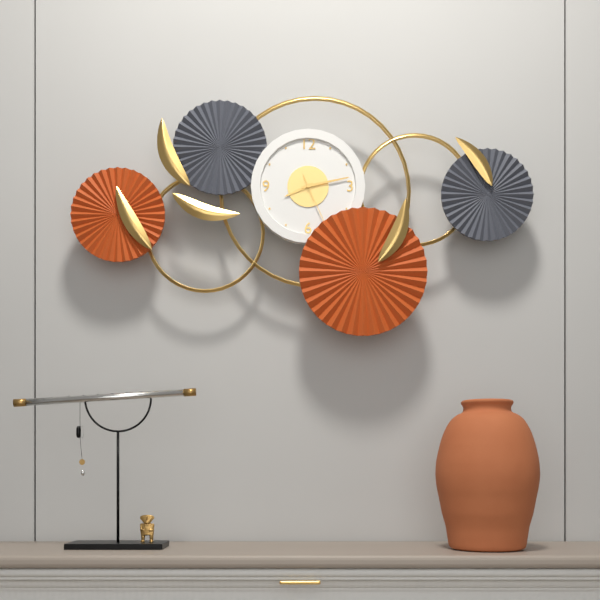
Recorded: h=8 m=13 s=26
